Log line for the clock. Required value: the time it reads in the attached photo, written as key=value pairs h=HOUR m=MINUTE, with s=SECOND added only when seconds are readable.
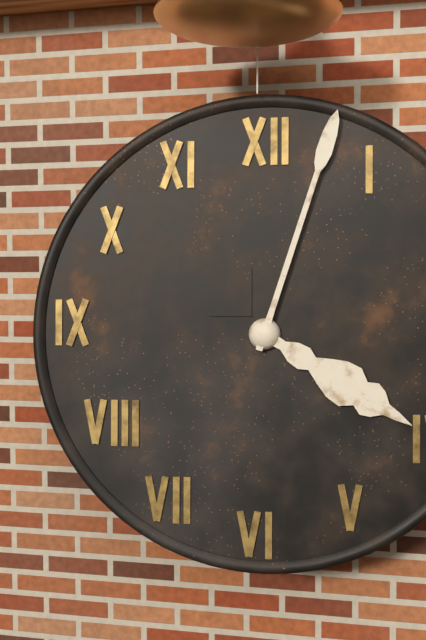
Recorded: h=4 m=3
